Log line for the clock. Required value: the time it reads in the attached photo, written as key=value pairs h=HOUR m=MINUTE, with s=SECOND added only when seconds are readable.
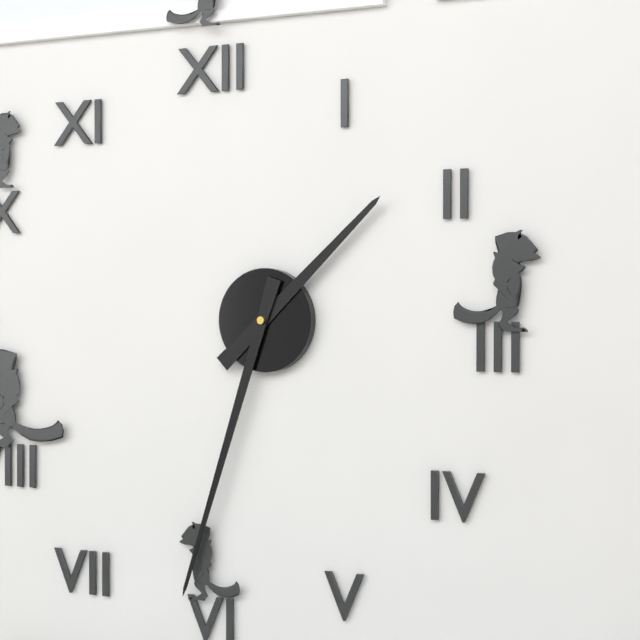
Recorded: h=1 m=33
